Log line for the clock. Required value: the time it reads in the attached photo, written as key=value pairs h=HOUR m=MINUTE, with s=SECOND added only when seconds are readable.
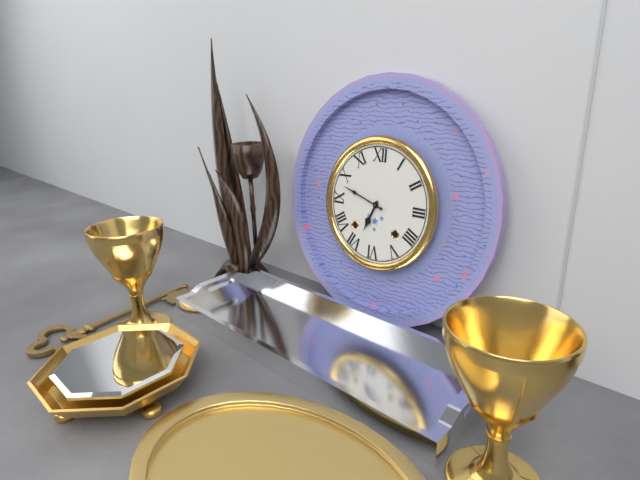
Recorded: h=6 m=48
